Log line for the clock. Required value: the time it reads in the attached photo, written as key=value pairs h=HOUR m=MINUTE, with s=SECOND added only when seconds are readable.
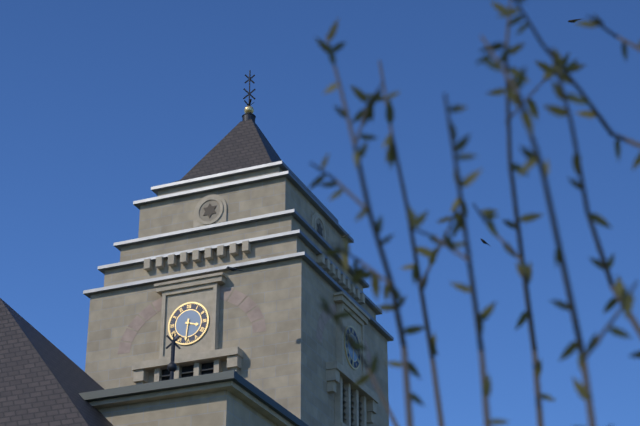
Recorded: h=3 m=31
